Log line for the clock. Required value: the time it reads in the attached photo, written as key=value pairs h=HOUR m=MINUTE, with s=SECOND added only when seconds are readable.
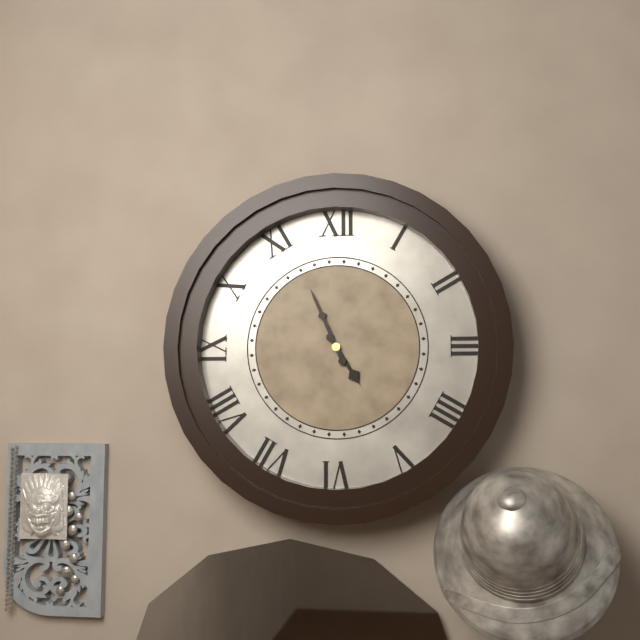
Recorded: h=4 m=56
